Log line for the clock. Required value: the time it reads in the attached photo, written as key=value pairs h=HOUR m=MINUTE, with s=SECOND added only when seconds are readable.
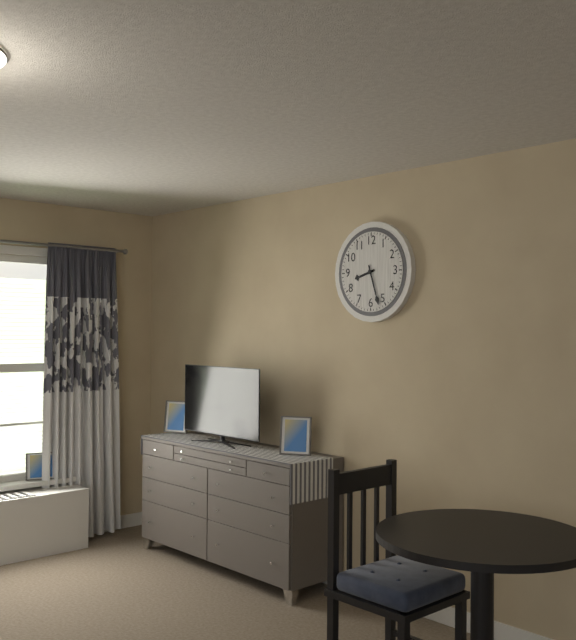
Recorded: h=8 m=27
